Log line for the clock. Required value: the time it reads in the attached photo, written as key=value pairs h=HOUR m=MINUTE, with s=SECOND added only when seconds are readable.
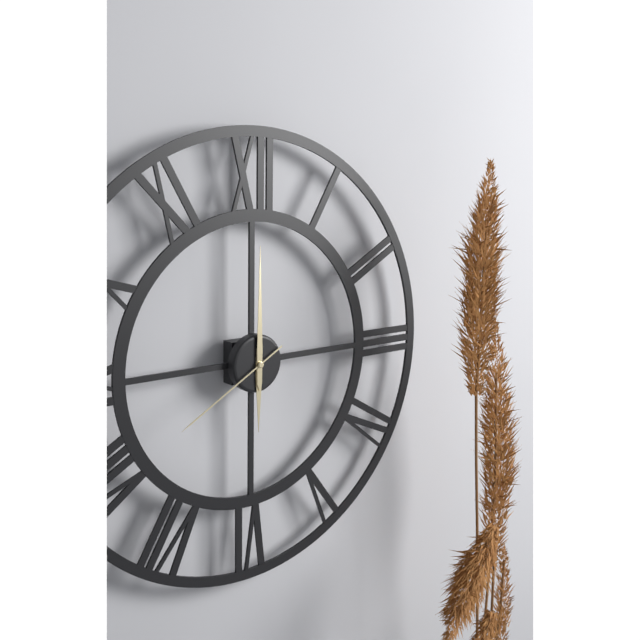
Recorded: h=6 m=0 s=40
